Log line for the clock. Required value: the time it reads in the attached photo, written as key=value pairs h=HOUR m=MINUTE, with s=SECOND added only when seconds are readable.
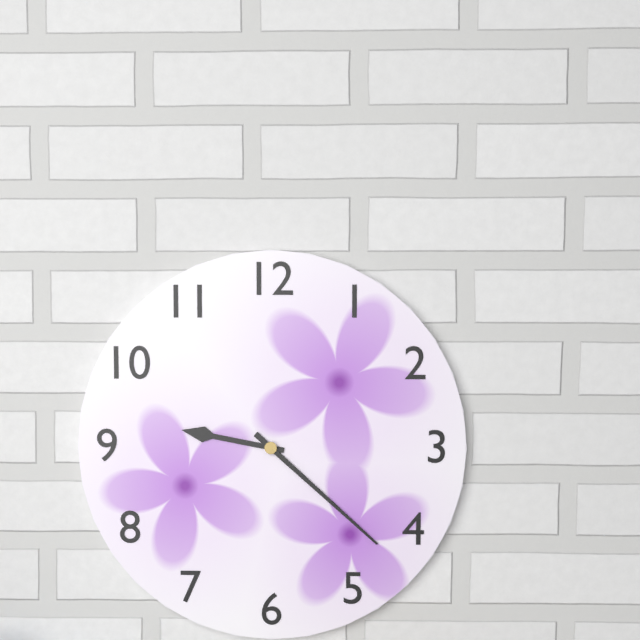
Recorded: h=9 m=22
